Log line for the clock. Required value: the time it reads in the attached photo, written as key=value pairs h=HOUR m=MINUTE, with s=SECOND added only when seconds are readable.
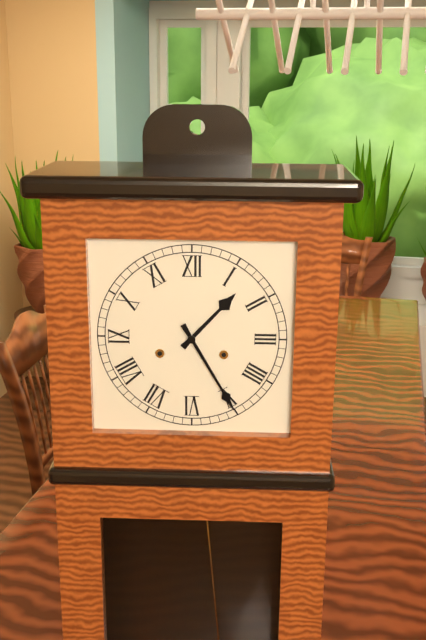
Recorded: h=1 m=25
